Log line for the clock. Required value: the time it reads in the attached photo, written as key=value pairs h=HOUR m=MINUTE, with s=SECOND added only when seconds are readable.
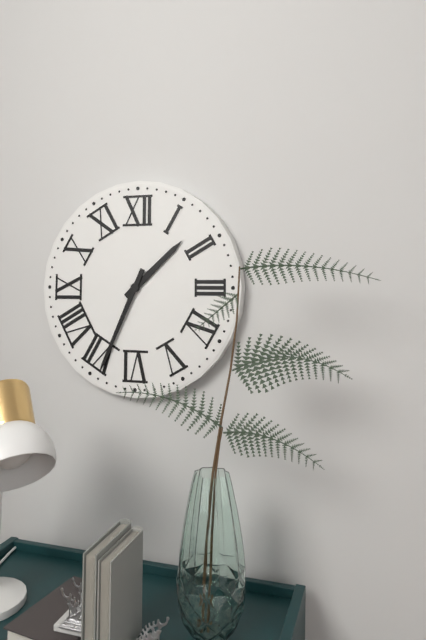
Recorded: h=1 m=34
